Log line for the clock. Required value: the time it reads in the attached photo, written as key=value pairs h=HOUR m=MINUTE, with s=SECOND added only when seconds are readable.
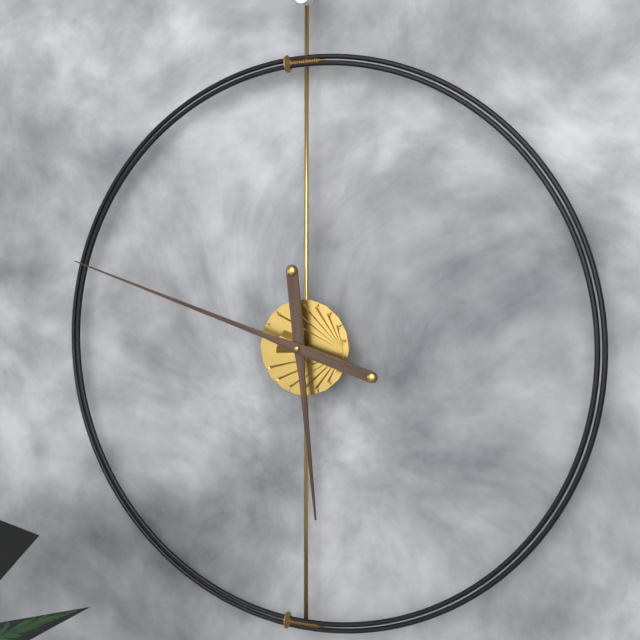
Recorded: h=5 m=48
